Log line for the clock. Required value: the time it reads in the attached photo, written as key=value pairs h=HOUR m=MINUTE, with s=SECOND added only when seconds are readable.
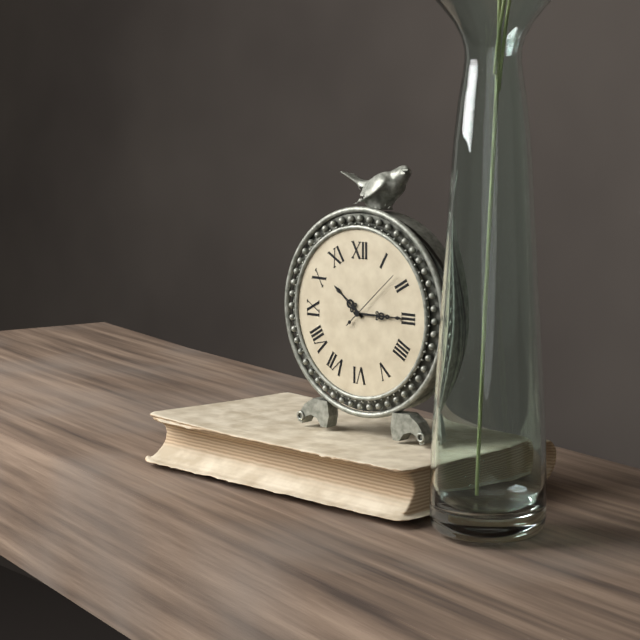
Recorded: h=10 m=15 s=8
